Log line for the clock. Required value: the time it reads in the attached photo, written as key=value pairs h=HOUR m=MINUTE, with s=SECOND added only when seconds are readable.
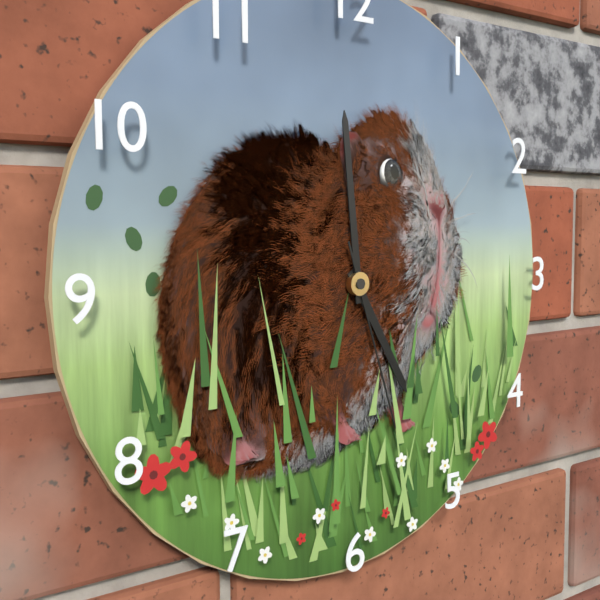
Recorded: h=4 m=59 s=27
